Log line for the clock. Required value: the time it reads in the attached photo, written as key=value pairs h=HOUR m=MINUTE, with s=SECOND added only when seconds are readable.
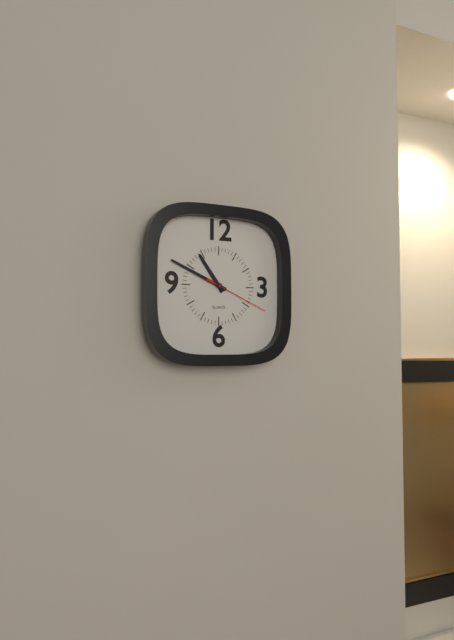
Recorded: h=10 m=49 s=19
